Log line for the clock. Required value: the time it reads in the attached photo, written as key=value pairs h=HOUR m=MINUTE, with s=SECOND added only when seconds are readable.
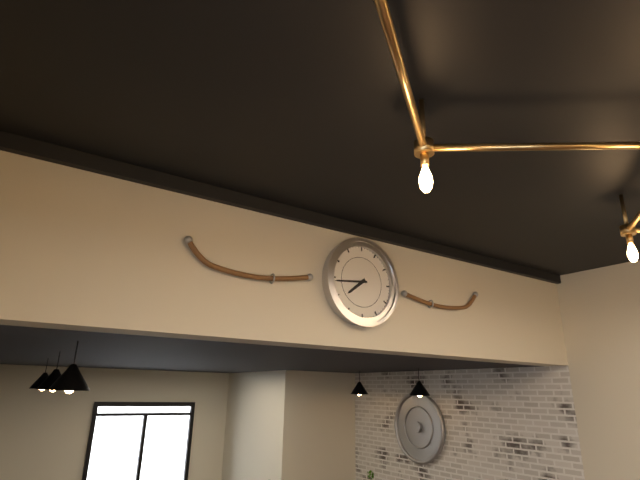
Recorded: h=7 m=44
